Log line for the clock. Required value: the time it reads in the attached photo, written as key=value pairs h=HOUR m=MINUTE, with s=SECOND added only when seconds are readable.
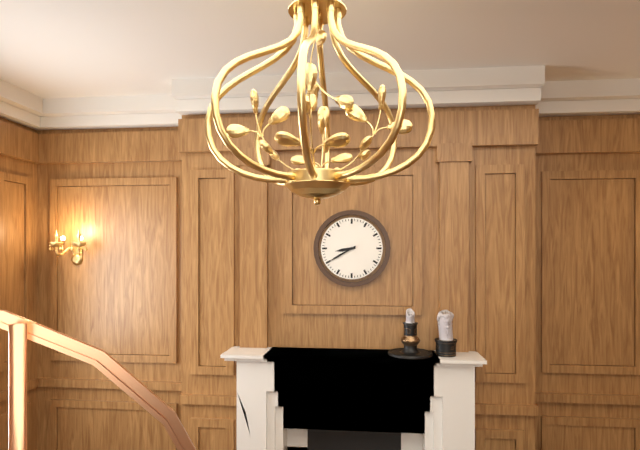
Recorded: h=8 m=40
